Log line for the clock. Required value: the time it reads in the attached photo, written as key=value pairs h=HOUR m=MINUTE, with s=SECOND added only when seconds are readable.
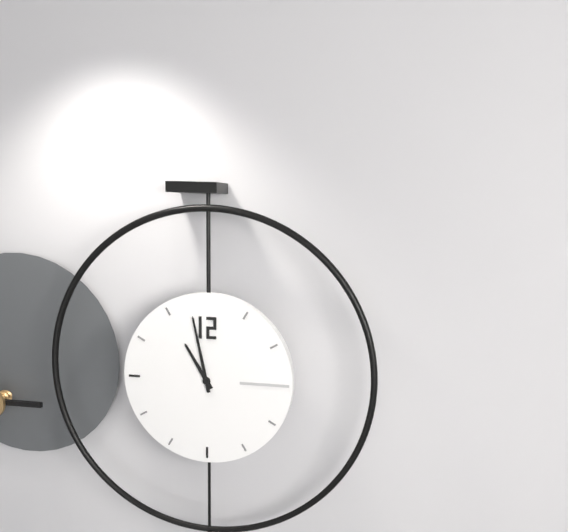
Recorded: h=10 m=58
